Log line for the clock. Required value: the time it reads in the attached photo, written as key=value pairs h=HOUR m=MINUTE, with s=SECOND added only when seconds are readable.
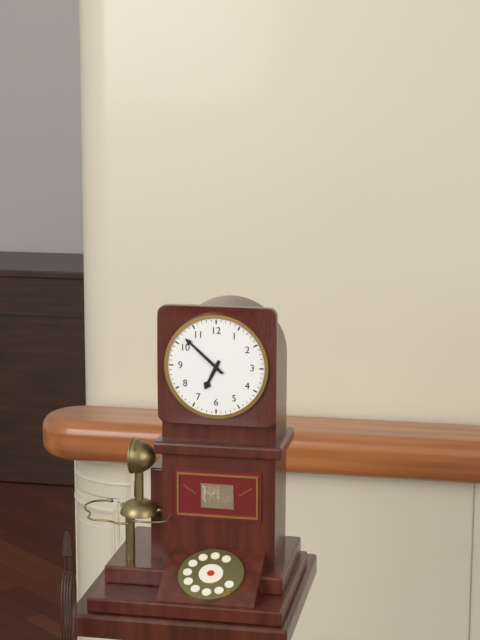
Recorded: h=6 m=52
